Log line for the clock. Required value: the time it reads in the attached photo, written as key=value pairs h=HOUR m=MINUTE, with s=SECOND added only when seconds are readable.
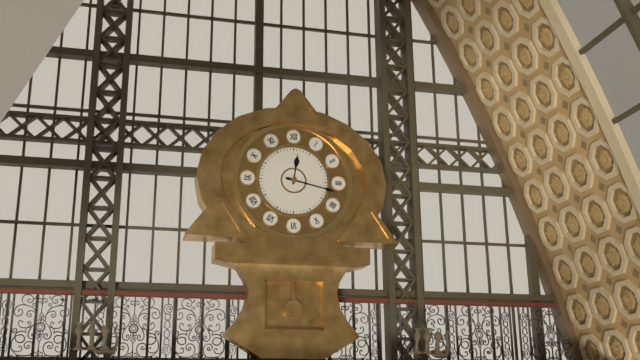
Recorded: h=12 m=17
